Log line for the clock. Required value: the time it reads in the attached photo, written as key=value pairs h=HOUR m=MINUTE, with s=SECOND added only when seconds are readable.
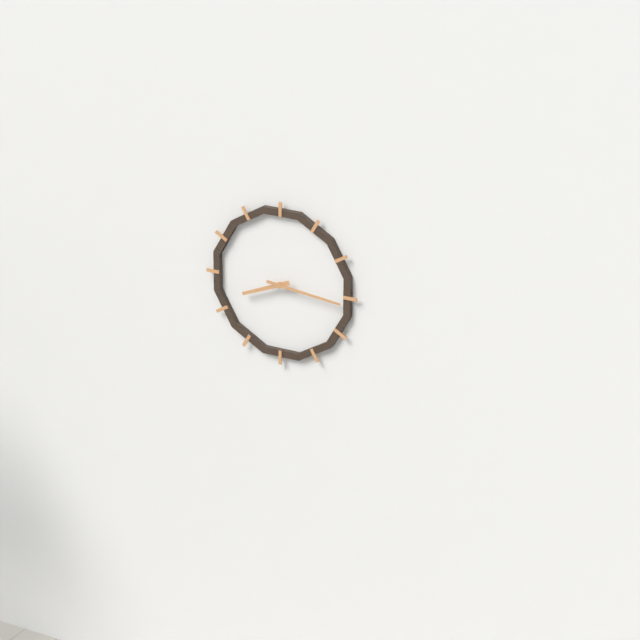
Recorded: h=8 m=16
